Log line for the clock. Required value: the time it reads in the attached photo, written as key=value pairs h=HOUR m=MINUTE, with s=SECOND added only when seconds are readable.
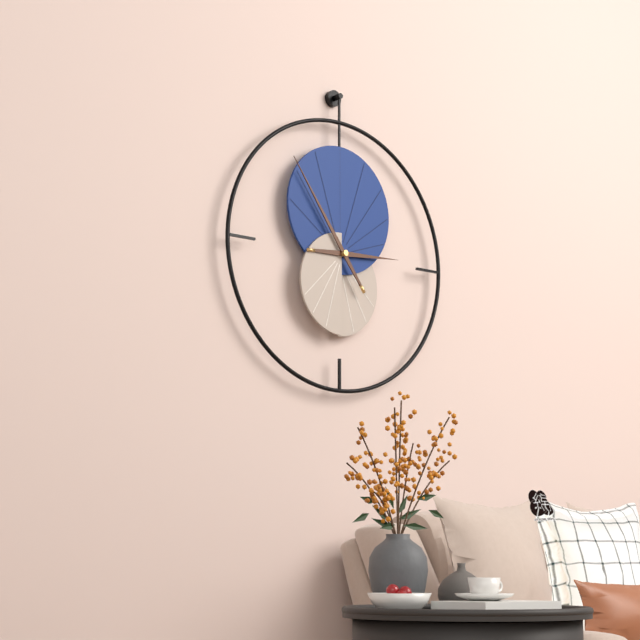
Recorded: h=2 m=54
